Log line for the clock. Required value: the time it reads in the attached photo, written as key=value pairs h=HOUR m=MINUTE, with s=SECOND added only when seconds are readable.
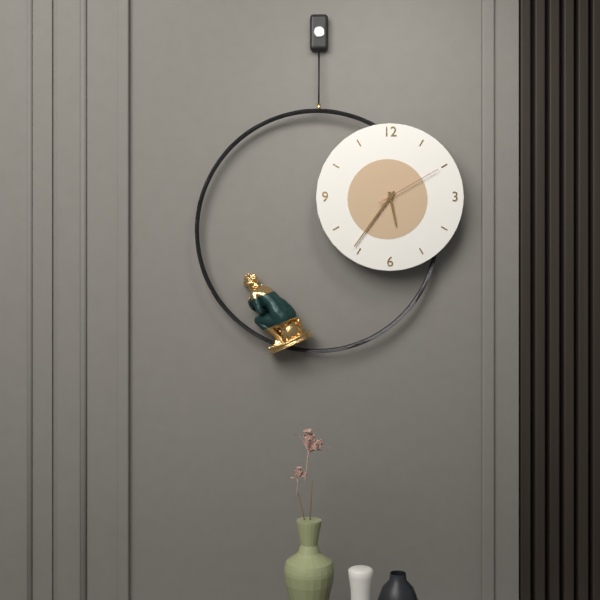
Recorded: h=5 m=36 s=10
